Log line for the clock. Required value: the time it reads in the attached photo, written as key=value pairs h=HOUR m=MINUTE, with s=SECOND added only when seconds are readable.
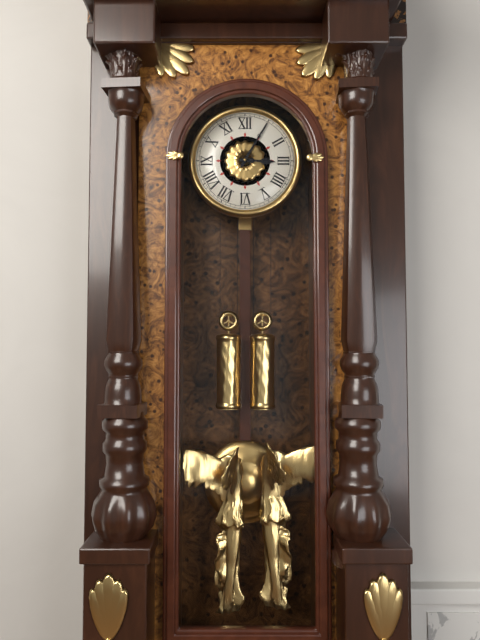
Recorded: h=3 m=5
